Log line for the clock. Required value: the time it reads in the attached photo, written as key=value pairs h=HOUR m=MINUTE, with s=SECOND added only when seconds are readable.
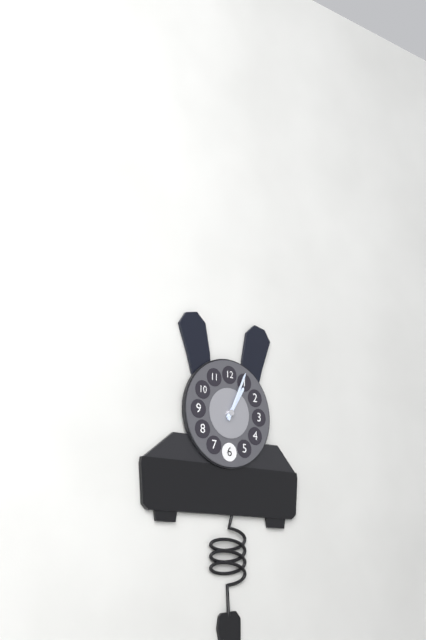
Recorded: h=1 m=4
